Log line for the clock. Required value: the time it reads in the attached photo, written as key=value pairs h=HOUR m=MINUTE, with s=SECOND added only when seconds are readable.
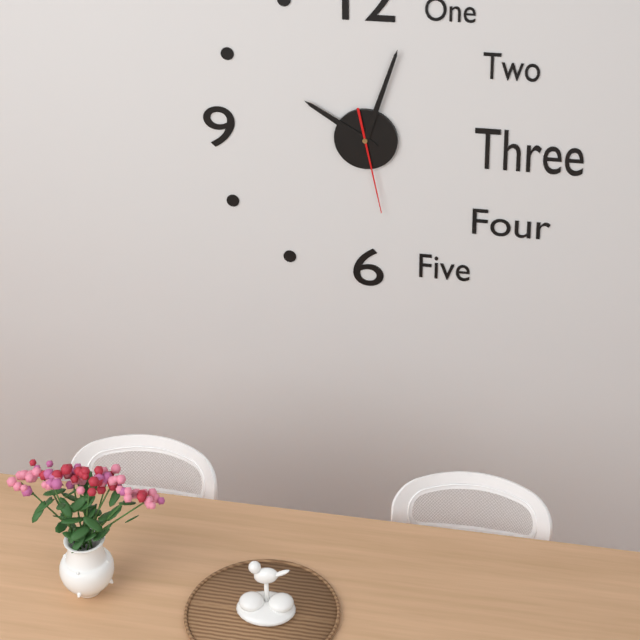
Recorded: h=10 m=3 s=28
